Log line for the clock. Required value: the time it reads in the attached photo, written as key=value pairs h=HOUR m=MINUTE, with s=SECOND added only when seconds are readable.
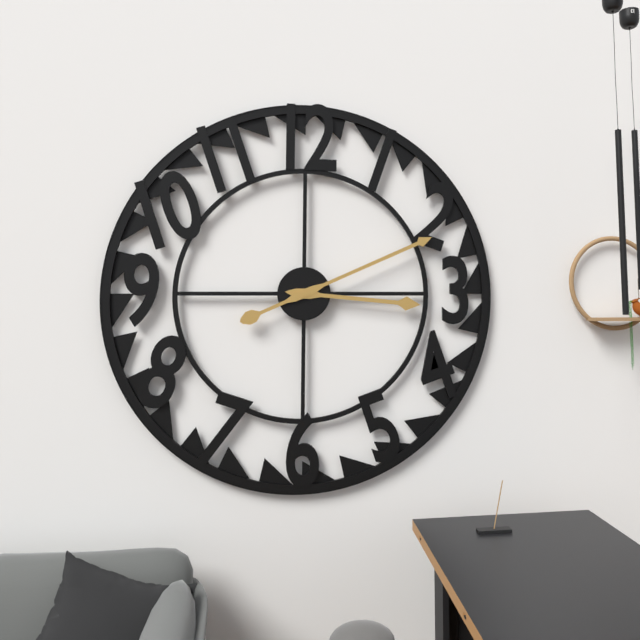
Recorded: h=3 m=11
